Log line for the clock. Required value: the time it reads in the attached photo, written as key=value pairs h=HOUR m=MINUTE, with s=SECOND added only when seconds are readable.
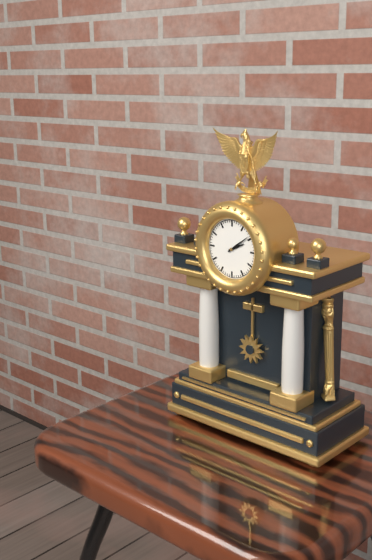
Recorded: h=2 m=9
